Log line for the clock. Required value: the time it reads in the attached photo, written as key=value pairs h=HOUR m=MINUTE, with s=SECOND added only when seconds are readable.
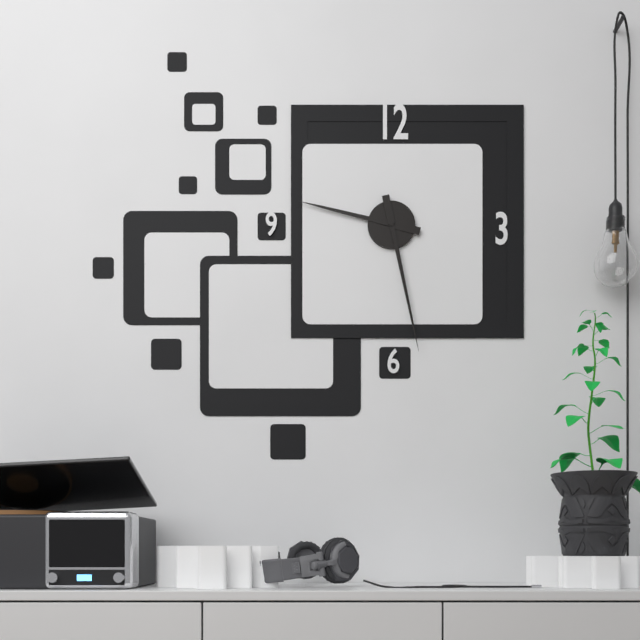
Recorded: h=9 m=28
